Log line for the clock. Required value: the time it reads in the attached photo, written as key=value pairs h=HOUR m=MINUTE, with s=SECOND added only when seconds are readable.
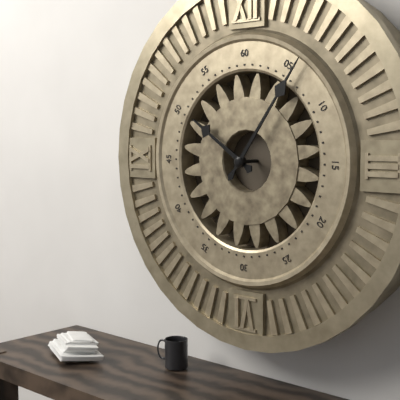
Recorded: h=10 m=6
